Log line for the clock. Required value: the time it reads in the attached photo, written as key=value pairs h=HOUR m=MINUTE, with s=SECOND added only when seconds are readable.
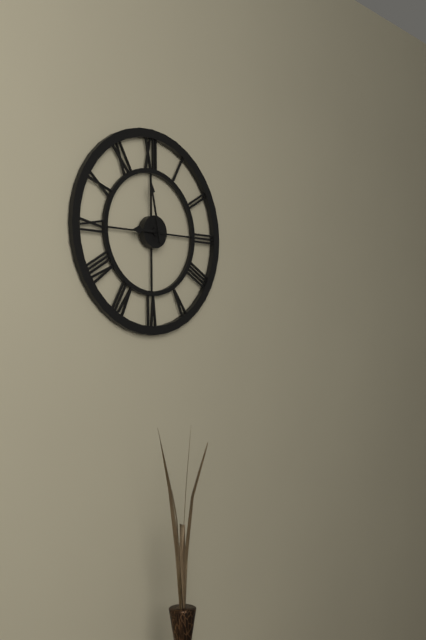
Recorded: h=8 m=58
